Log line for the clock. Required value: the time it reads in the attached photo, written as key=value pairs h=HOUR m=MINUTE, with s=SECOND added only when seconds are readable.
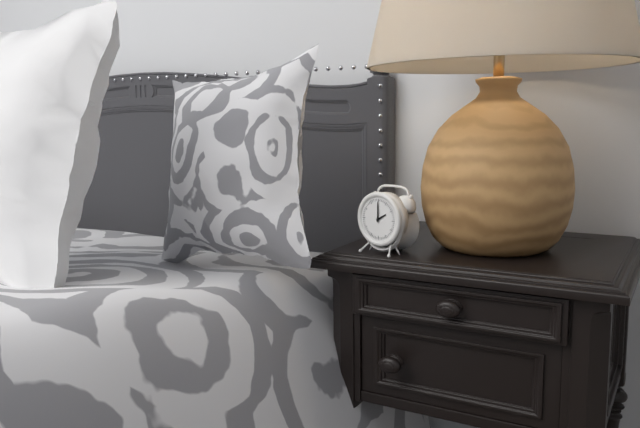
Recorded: h=2 m=0
